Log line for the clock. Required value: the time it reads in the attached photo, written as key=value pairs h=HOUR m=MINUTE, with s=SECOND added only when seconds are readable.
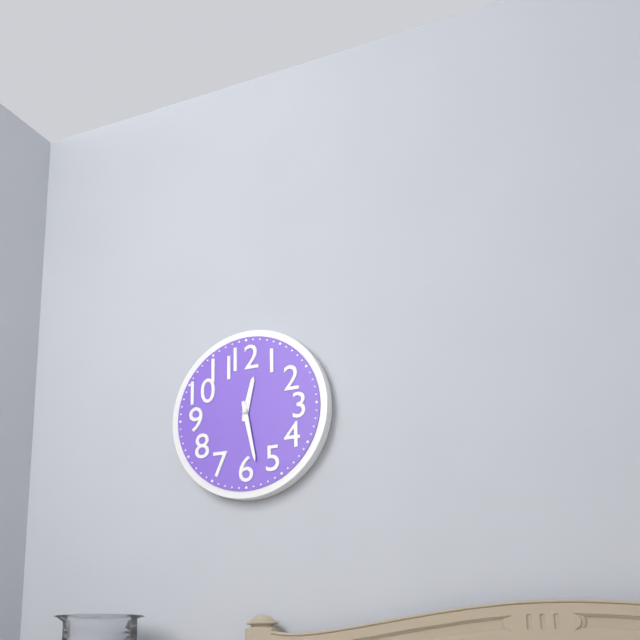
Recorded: h=12 m=28
